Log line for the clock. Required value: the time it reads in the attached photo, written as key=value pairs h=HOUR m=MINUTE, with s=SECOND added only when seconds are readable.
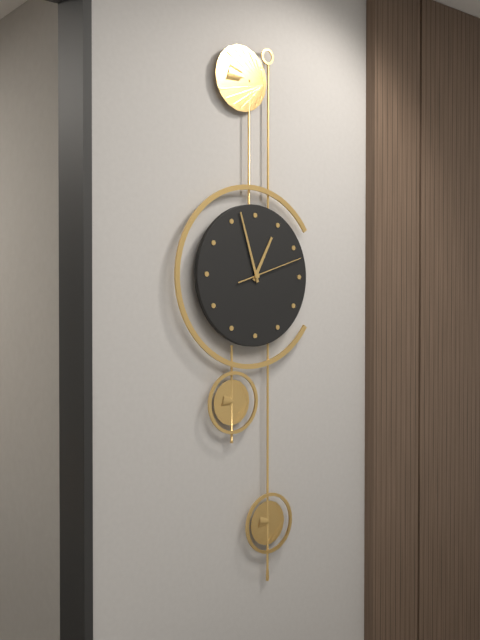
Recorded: h=12 m=57 s=12
